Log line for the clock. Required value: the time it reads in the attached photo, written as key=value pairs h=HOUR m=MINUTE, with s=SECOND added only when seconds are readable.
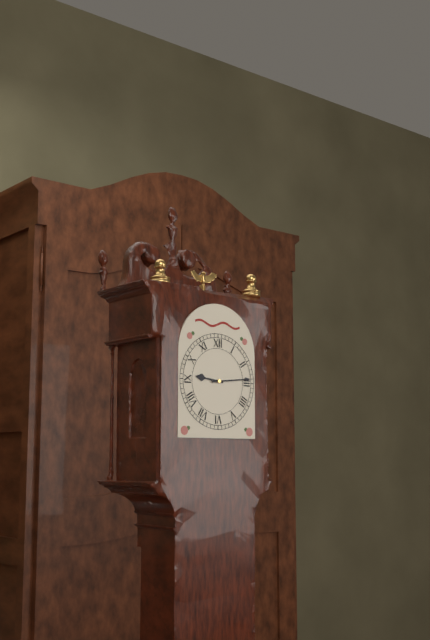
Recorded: h=9 m=14
